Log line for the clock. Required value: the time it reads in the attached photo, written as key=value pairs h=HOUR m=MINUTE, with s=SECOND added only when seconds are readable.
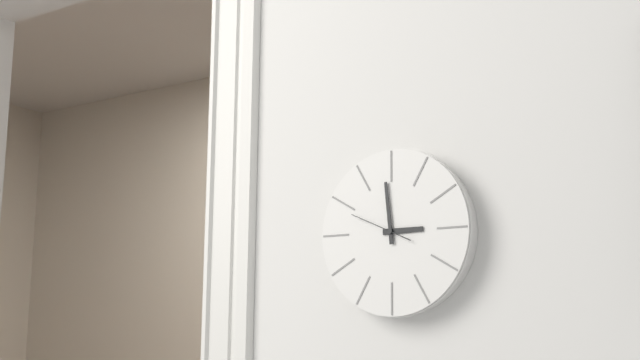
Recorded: h=2 m=59 s=49
